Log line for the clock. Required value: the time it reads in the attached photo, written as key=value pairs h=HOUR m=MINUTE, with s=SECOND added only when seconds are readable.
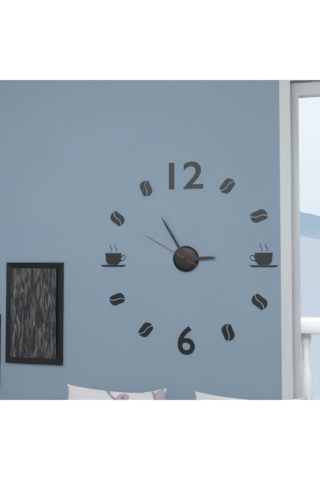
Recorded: h=2 m=55 s=50
